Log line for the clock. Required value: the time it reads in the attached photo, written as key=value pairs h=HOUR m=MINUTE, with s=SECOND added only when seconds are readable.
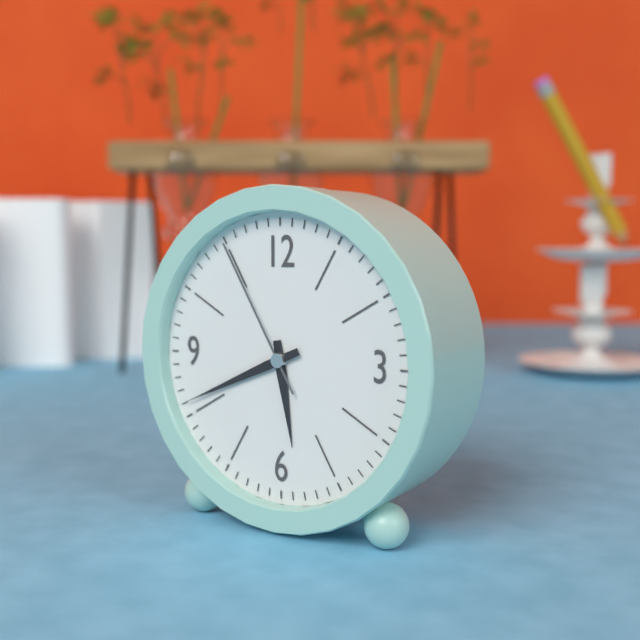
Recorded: h=5 m=41 s=55
